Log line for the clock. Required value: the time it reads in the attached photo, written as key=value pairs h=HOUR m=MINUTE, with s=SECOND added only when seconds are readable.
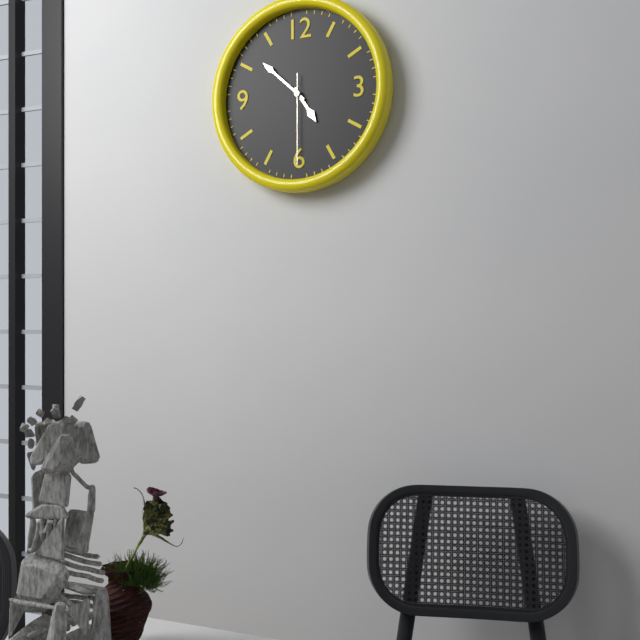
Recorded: h=4 m=52 s=30
